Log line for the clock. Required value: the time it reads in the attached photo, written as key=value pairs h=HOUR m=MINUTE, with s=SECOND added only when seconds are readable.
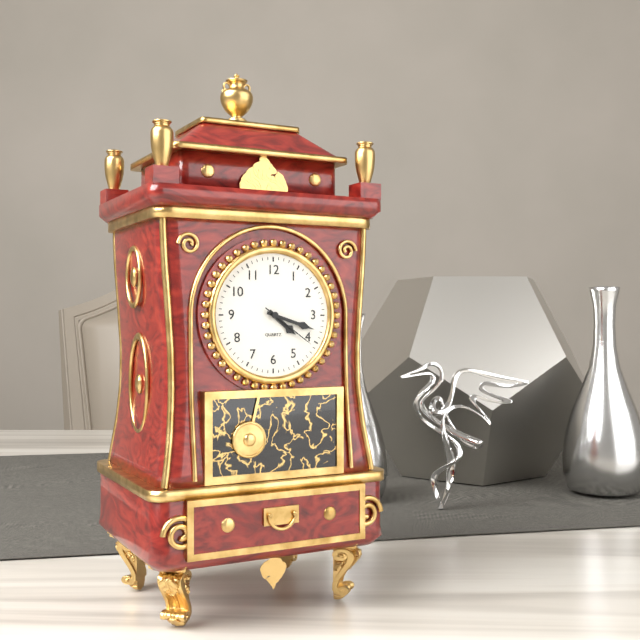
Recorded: h=4 m=18 s=21
